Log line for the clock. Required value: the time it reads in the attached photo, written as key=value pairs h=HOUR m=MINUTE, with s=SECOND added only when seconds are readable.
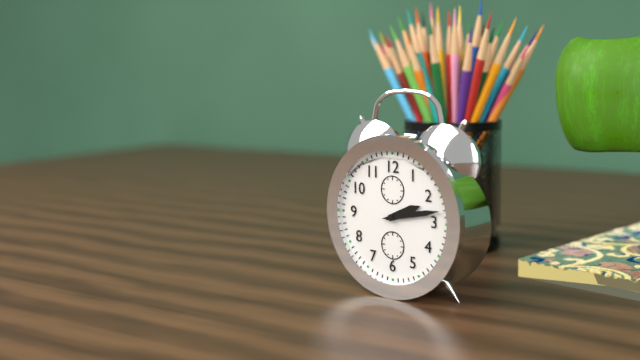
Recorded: h=2 m=13
